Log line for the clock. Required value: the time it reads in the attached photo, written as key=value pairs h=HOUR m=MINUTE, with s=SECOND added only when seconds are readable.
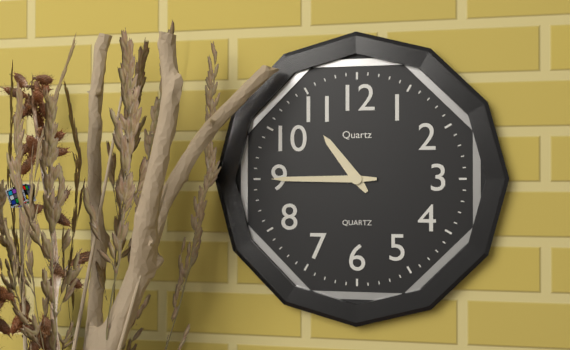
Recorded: h=10 m=45
